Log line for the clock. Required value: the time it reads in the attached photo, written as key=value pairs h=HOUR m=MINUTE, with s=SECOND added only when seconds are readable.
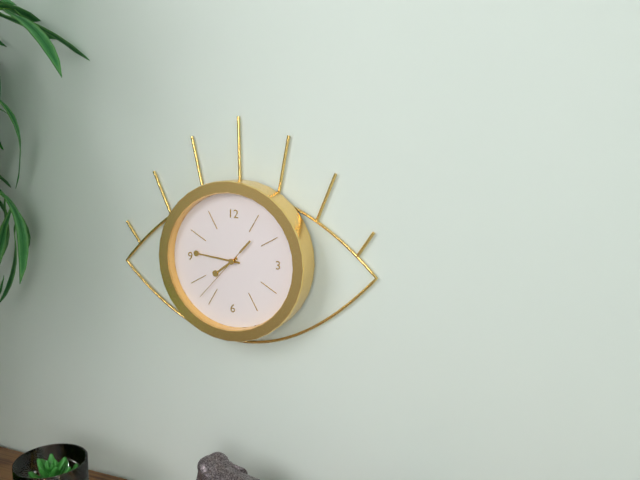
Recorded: h=7 m=46 s=37
